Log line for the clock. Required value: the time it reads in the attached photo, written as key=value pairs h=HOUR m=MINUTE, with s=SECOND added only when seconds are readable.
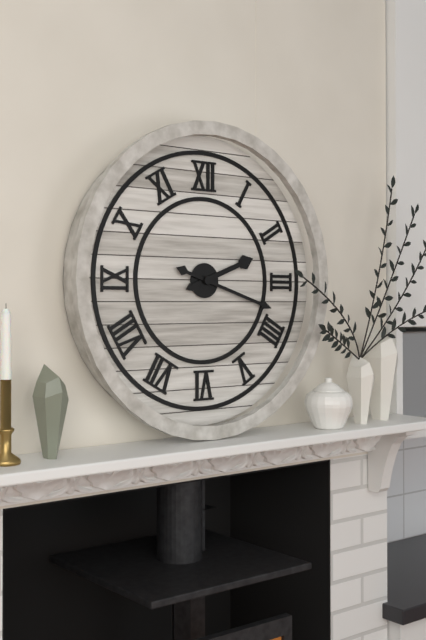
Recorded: h=2 m=18
